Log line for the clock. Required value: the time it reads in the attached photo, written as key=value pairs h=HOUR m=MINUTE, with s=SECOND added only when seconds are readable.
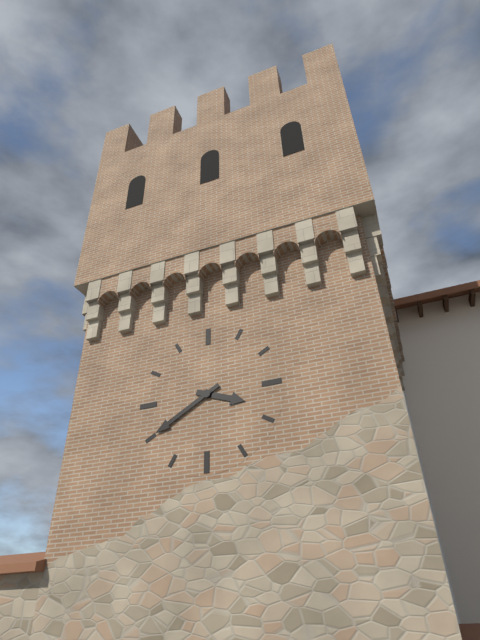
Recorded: h=3 m=40
